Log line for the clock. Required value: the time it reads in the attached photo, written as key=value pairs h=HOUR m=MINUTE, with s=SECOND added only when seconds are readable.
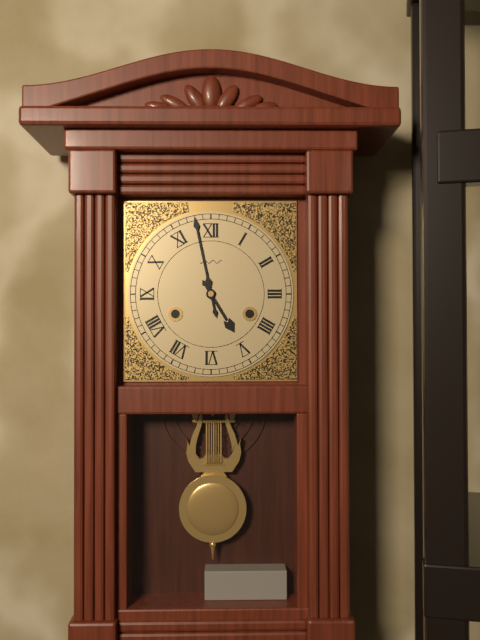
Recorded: h=4 m=58
